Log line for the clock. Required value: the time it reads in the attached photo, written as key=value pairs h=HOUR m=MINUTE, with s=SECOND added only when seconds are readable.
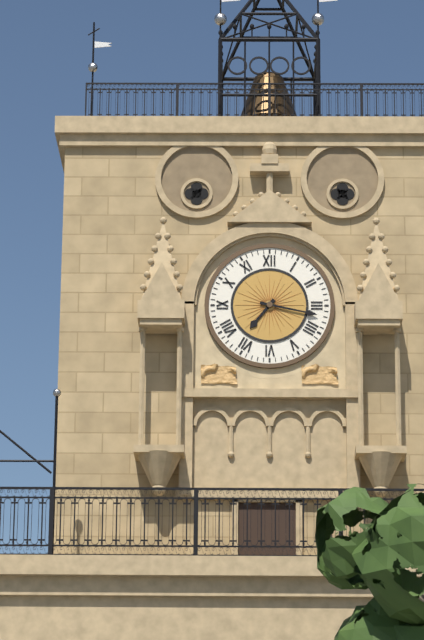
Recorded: h=7 m=17
